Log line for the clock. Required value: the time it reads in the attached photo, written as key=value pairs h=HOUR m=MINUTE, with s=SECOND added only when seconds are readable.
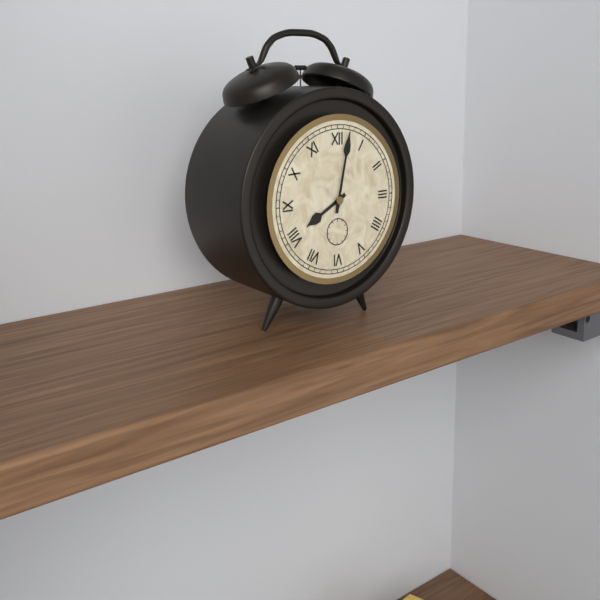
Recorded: h=8 m=2
